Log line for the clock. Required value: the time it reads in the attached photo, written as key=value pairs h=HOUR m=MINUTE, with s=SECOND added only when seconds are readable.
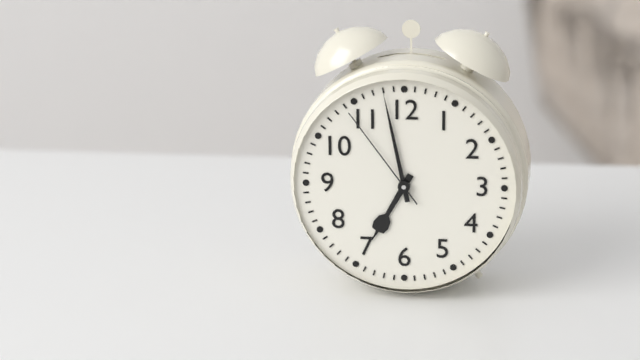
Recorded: h=6 m=58 s=54
